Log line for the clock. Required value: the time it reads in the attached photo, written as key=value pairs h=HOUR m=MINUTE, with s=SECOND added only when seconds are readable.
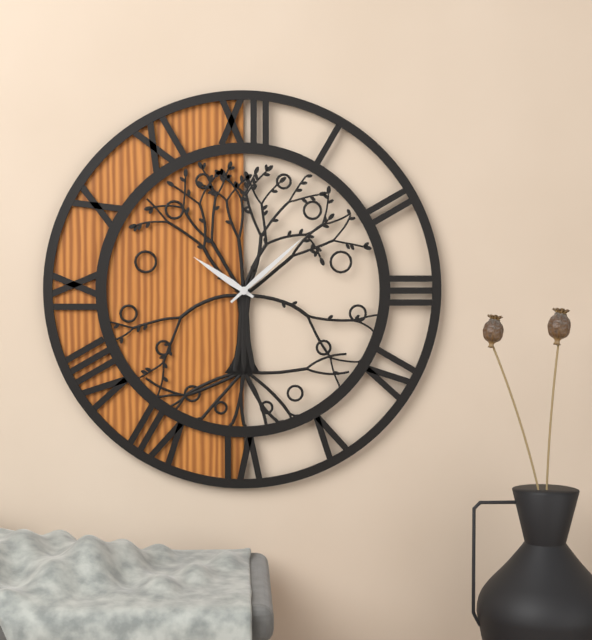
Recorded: h=10 m=8
